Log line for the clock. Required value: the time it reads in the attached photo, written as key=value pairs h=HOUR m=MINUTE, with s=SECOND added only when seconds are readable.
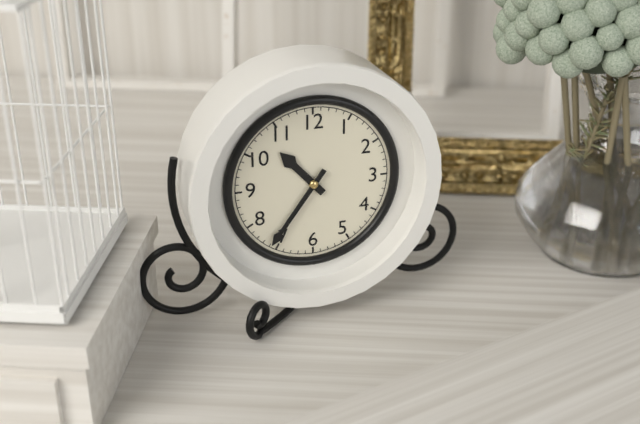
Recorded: h=10 m=36
